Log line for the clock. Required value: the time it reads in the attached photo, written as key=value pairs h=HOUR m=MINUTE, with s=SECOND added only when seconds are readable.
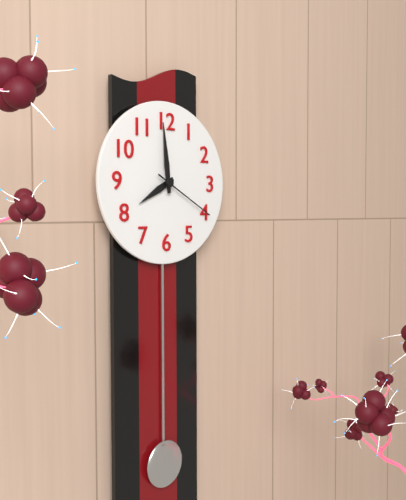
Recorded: h=7 m=59 s=20
